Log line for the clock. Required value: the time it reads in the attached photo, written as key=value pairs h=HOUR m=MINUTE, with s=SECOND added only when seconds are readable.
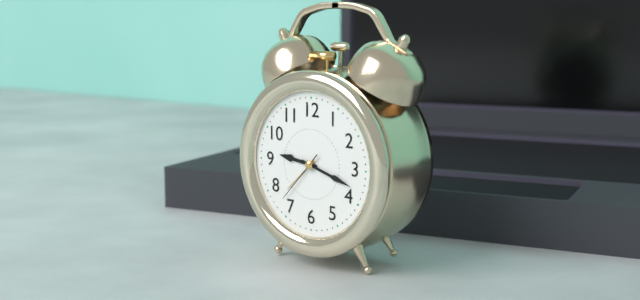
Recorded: h=9 m=18 s=37
